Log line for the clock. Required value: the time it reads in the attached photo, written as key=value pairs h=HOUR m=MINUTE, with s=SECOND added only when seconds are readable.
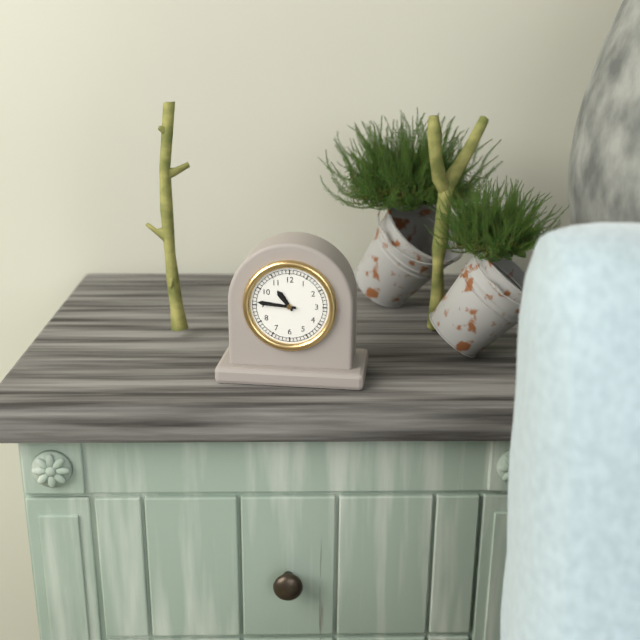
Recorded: h=10 m=46
